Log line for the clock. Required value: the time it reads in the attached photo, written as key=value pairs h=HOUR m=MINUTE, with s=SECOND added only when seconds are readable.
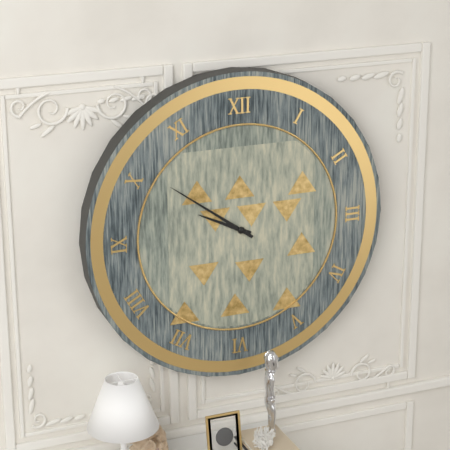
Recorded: h=9 m=51
